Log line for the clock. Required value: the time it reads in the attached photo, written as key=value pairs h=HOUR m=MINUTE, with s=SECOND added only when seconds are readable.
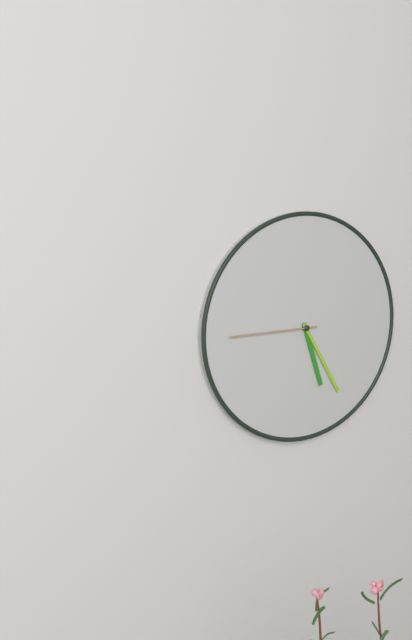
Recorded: h=5 m=25 s=45
